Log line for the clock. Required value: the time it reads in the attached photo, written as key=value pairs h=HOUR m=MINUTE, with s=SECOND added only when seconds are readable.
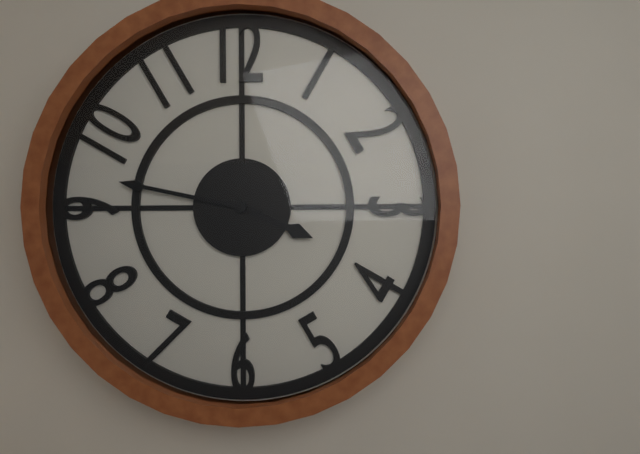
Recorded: h=3 m=47
